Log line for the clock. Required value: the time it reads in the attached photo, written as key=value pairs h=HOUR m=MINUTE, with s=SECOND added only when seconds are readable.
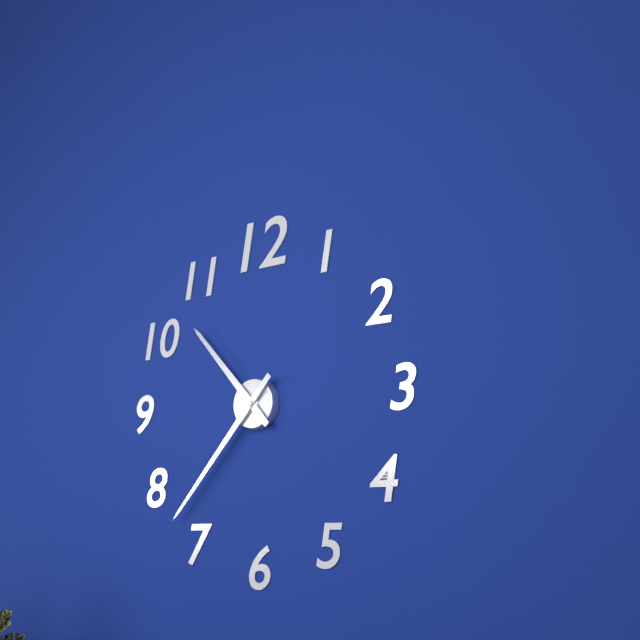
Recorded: h=10 m=37
